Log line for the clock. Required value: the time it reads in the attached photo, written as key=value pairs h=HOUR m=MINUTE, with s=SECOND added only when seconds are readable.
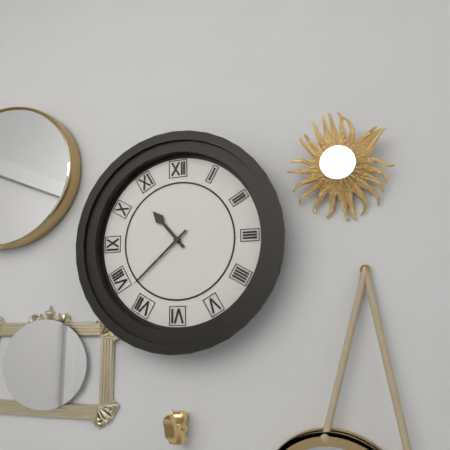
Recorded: h=10 m=38
